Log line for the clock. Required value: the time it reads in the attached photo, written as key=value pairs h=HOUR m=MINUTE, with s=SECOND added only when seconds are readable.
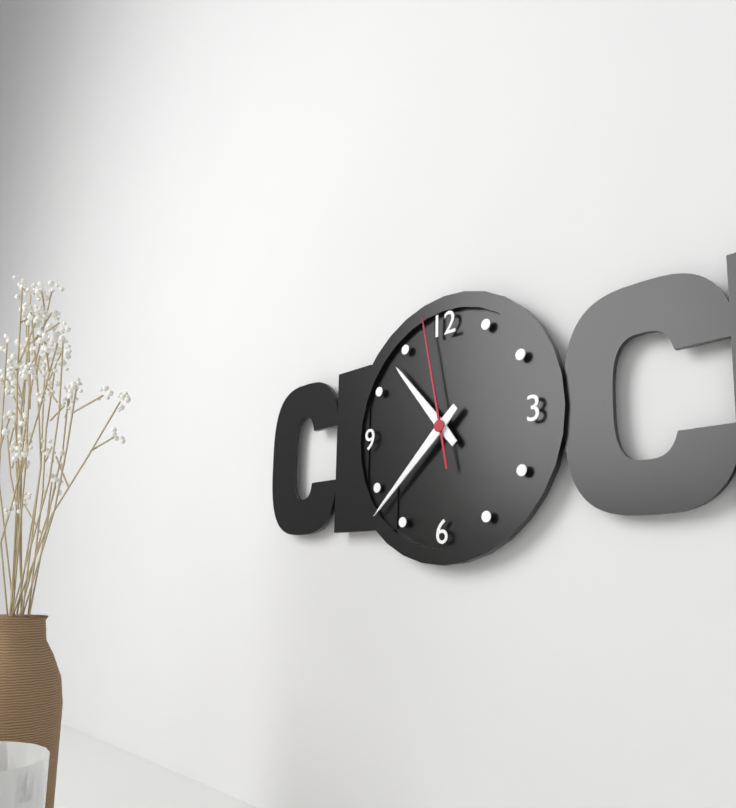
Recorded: h=10 m=38 s=58
